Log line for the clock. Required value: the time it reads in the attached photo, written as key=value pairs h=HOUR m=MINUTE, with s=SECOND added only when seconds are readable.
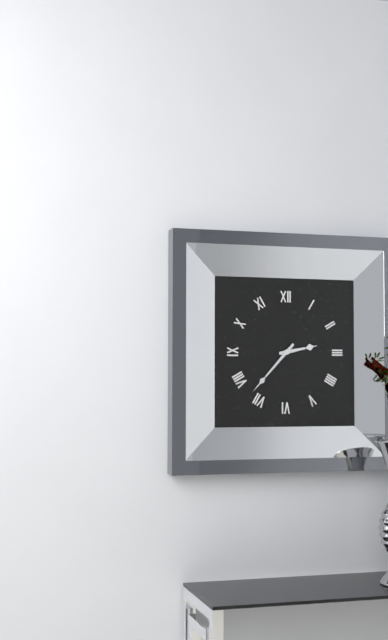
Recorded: h=2 m=37
